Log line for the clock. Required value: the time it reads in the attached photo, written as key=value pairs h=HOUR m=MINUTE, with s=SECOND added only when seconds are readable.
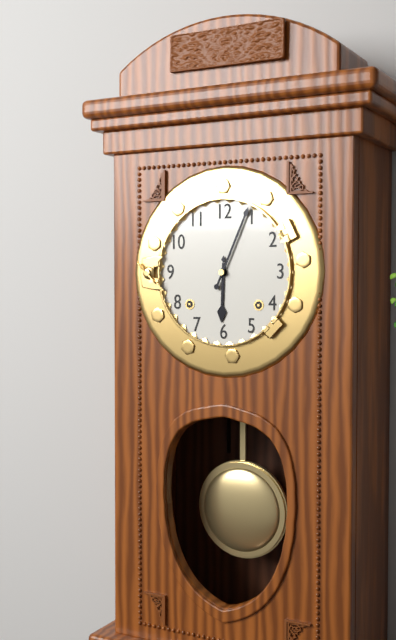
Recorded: h=6 m=4
